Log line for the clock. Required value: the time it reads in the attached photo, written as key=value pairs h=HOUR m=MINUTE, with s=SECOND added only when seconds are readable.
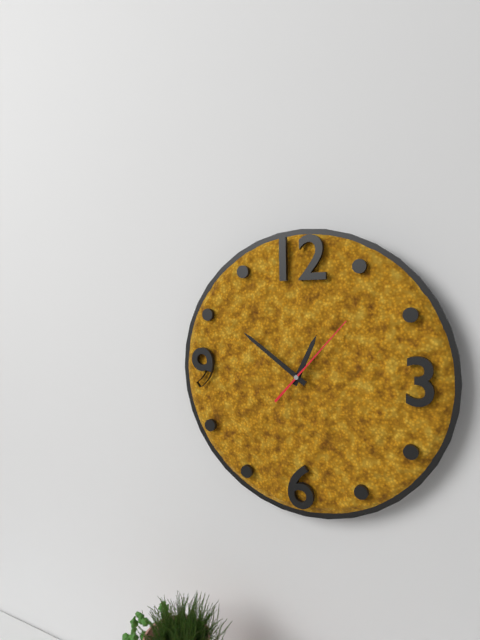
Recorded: h=12 m=51 s=7
